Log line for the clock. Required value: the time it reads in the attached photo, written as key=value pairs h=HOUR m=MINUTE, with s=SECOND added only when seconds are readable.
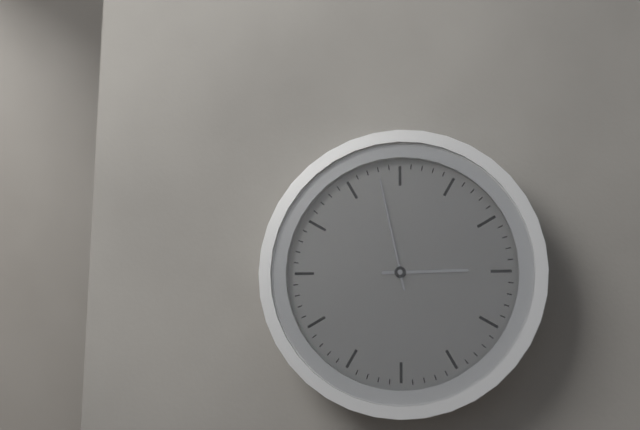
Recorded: h=2 m=58
